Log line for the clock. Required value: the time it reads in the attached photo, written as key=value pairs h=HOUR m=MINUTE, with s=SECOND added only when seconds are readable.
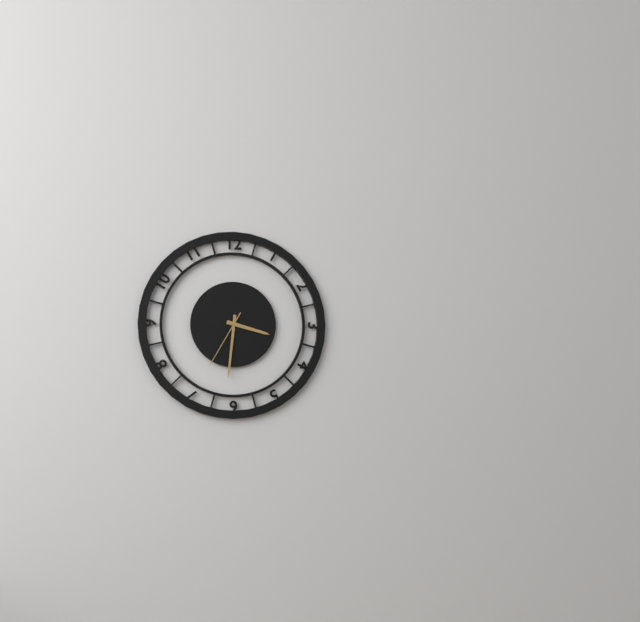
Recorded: h=3 m=31 s=35
